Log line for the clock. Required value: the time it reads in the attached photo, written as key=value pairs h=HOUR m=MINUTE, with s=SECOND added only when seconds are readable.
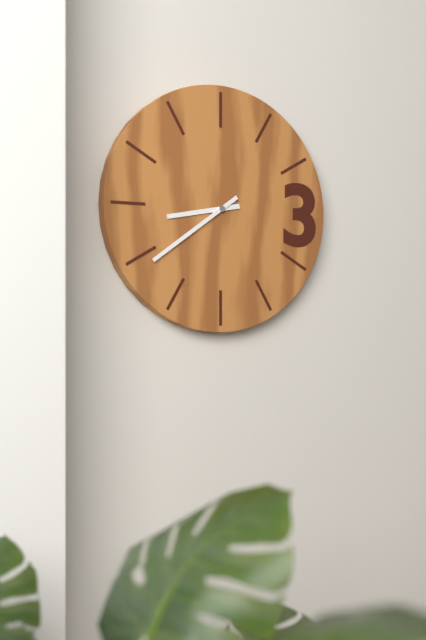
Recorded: h=8 m=39
